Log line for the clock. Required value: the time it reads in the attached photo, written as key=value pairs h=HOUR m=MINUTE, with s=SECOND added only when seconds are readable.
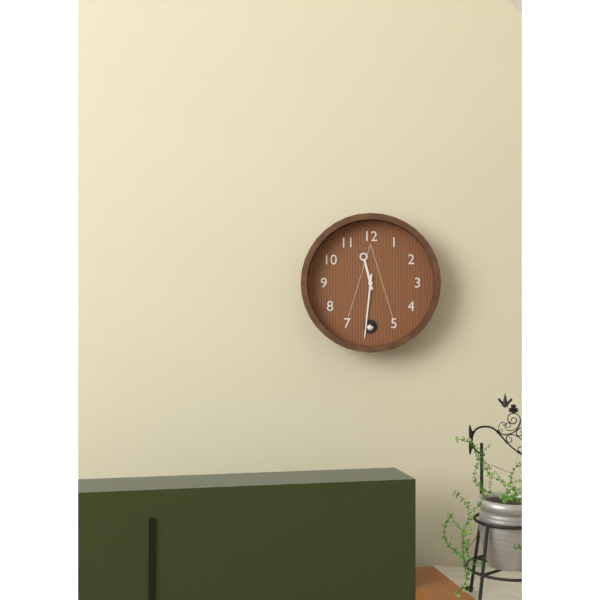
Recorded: h=11 m=31
